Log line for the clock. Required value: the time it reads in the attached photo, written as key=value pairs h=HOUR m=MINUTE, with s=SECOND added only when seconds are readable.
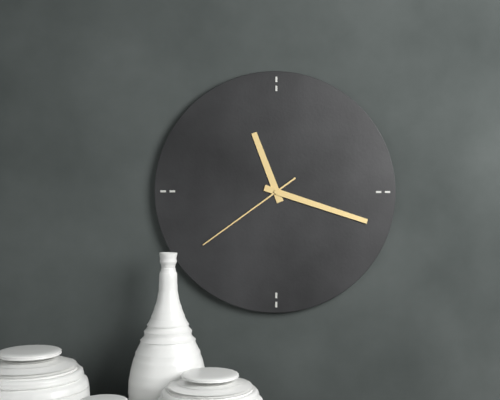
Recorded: h=11 m=18 s=39
